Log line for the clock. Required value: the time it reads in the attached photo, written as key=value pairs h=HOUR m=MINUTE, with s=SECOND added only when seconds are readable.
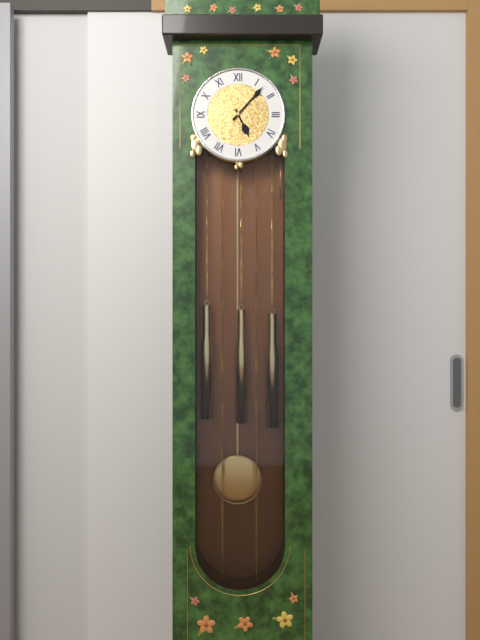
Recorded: h=5 m=7
